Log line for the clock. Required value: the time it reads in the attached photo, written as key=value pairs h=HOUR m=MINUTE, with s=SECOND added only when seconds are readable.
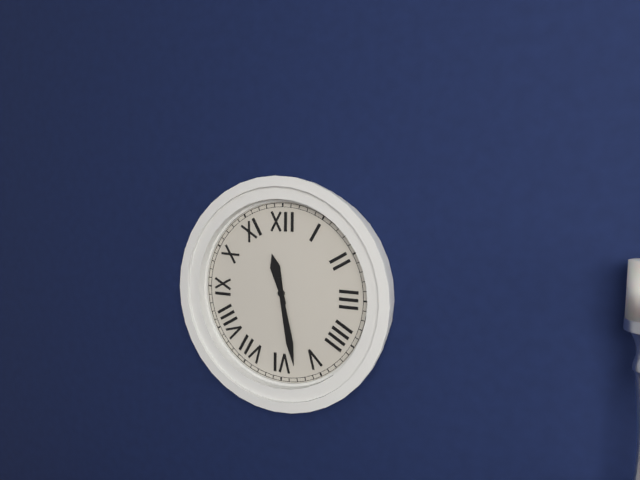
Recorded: h=11 m=28
